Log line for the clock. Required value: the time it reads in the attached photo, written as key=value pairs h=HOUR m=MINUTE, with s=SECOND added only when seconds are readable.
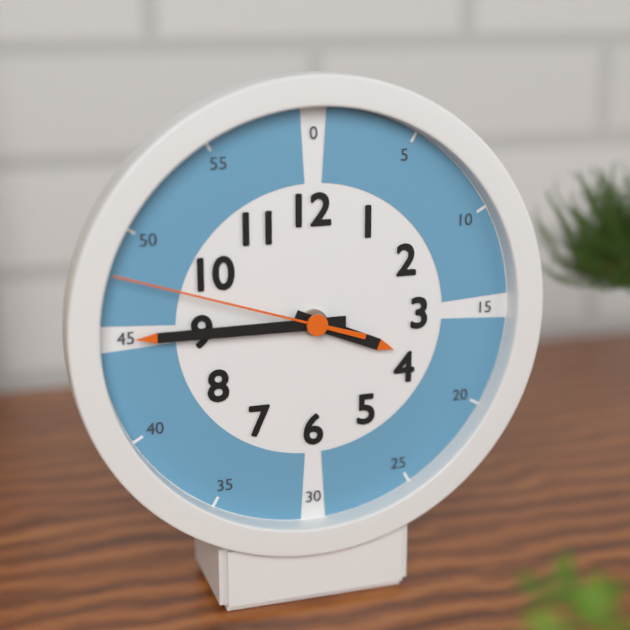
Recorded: h=3 m=45 s=48
